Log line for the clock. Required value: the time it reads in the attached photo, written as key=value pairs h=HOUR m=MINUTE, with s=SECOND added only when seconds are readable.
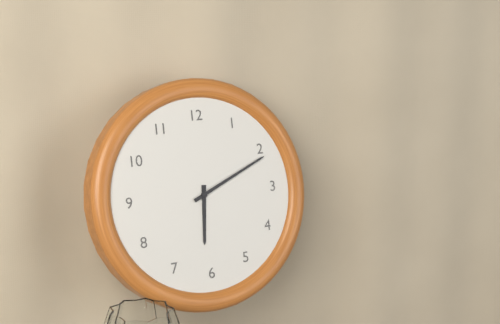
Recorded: h=6 m=11
